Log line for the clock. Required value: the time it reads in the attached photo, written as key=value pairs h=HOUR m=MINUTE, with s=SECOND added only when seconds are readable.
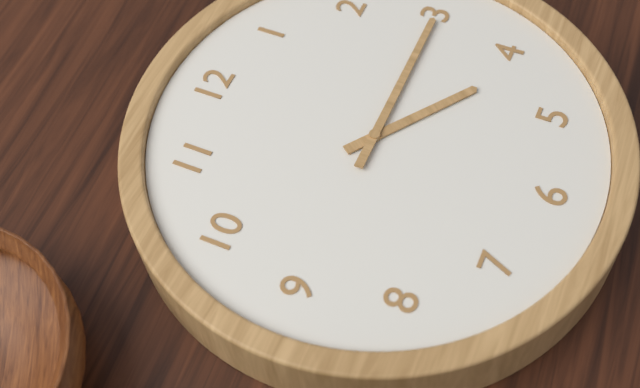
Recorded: h=4 m=15
